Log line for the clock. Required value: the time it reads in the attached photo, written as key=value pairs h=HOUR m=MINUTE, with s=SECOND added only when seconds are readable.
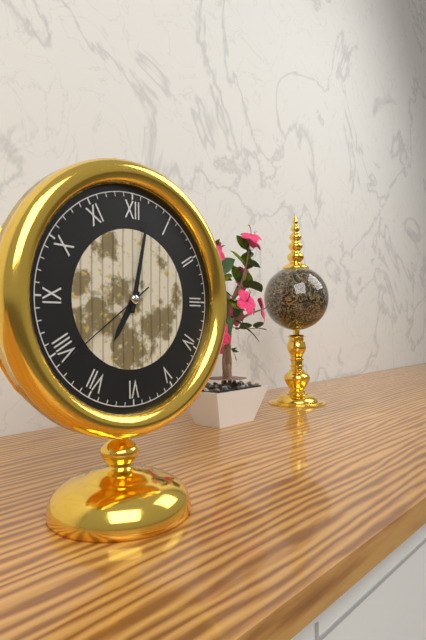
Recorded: h=7 m=2 s=39
